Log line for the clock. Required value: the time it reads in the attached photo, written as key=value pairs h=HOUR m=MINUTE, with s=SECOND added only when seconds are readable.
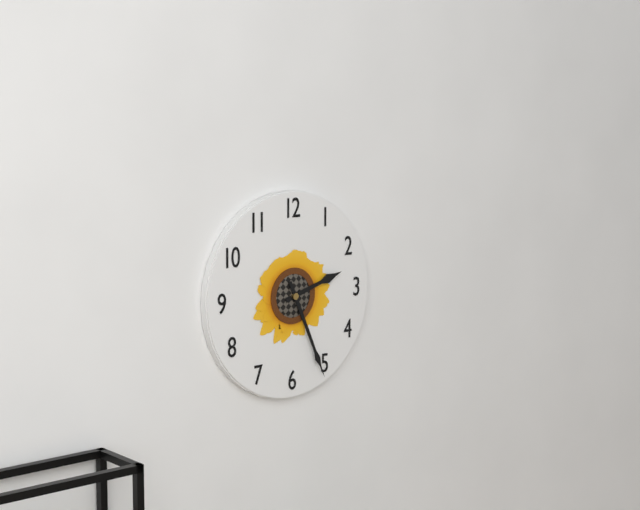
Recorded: h=2 m=26
